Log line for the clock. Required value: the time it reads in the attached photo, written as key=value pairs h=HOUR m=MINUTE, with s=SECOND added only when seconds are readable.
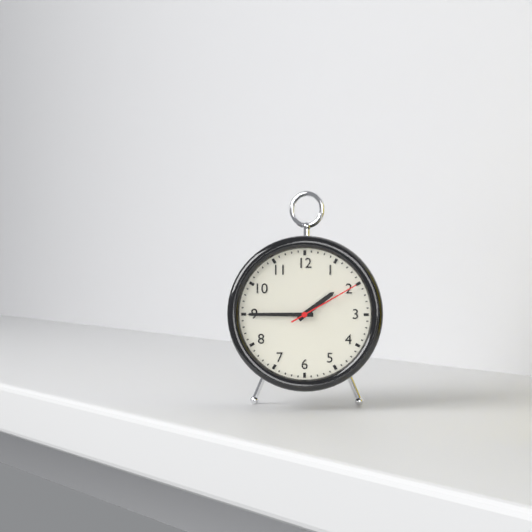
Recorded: h=1 m=45 s=10
